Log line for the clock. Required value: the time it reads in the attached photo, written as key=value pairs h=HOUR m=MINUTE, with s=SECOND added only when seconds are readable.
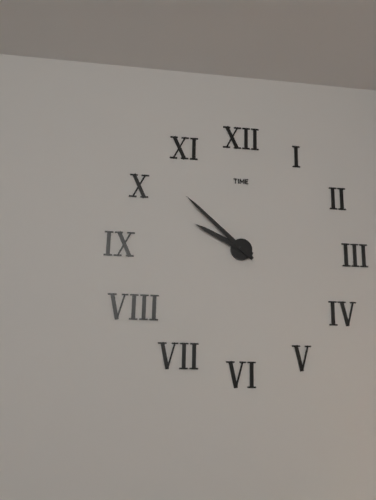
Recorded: h=9 m=52
